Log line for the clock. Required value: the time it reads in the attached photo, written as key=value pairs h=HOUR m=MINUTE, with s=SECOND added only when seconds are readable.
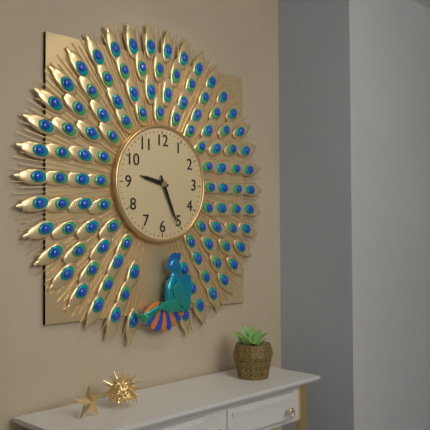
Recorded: h=9 m=26
